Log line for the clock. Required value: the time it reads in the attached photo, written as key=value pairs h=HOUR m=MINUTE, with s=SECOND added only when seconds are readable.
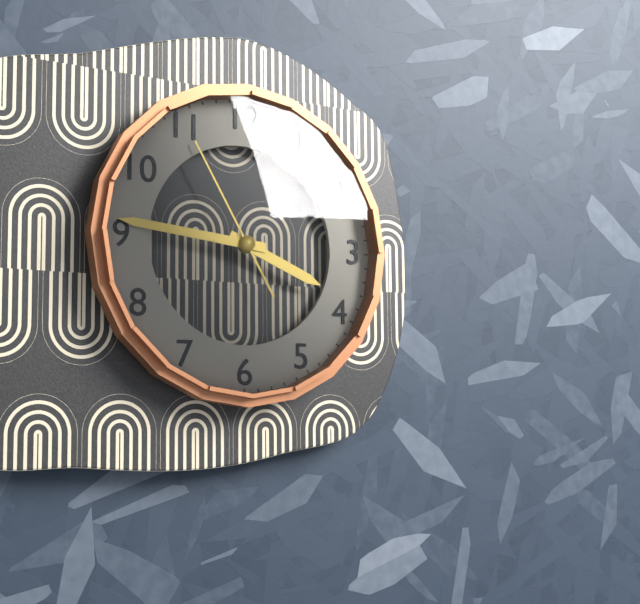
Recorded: h=3 m=46 s=55
